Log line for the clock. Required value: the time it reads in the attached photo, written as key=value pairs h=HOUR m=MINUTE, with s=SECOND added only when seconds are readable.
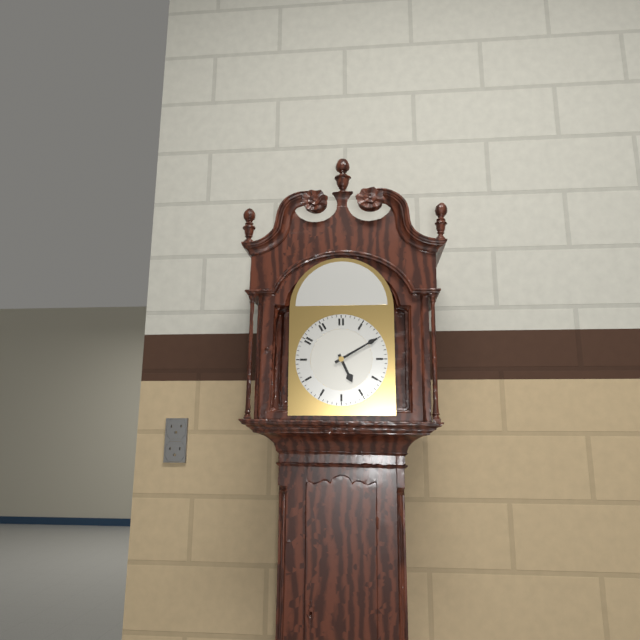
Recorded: h=5 m=10
